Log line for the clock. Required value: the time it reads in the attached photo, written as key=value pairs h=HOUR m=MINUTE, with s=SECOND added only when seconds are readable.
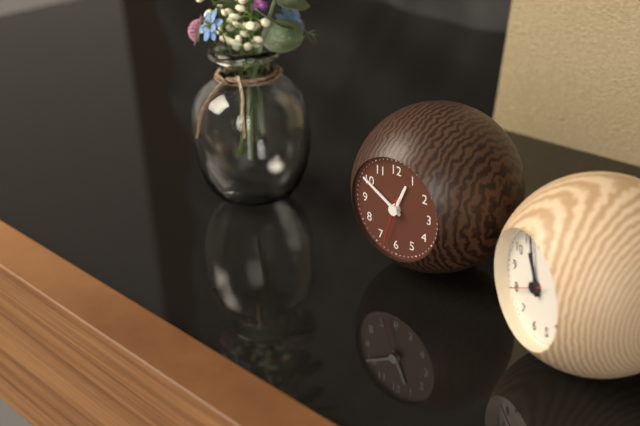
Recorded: h=12 m=50
